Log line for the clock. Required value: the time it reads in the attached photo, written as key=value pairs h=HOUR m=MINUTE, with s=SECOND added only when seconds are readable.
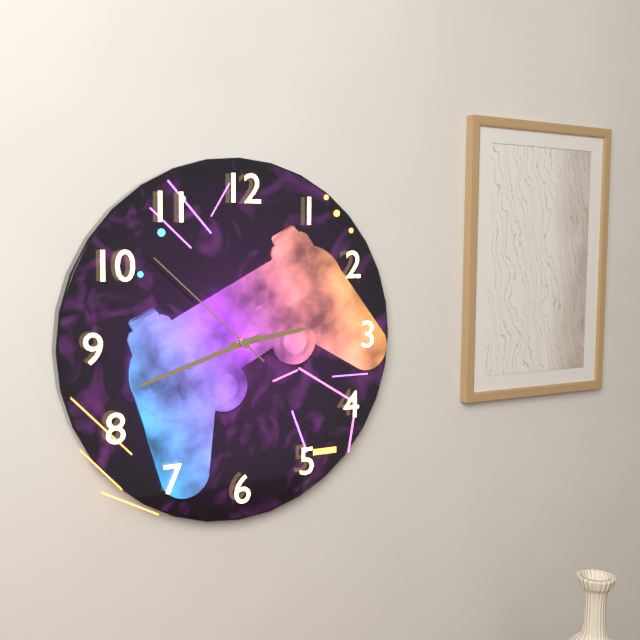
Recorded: h=2 m=42 s=52
